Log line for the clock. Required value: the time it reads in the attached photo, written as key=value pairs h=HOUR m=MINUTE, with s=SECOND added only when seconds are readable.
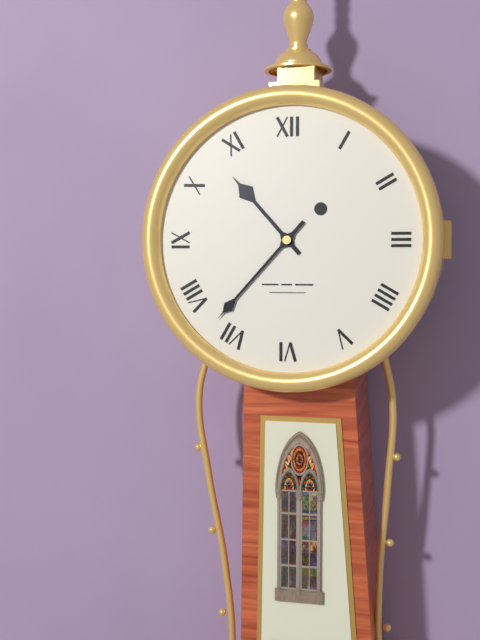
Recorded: h=10 m=37
